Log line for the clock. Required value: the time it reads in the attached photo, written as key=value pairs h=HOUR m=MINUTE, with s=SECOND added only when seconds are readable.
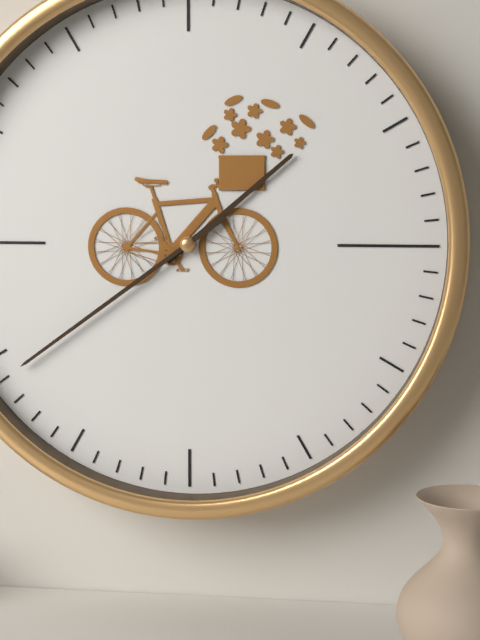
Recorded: h=1 m=39
